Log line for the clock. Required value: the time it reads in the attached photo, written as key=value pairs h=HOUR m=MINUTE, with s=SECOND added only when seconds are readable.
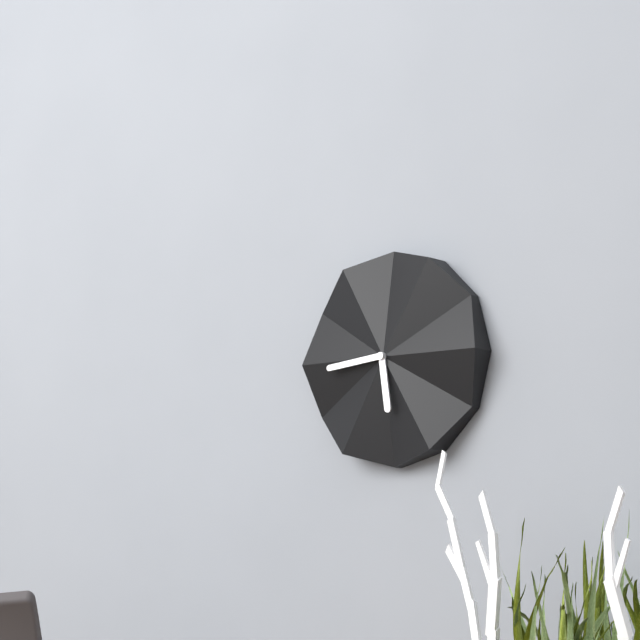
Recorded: h=5 m=44
